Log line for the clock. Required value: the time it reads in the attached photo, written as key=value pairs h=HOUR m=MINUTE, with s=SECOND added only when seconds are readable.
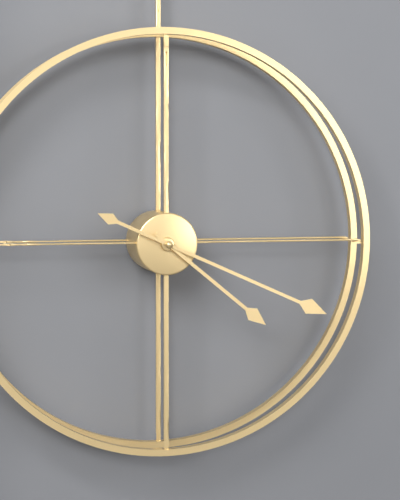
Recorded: h=4 m=19
